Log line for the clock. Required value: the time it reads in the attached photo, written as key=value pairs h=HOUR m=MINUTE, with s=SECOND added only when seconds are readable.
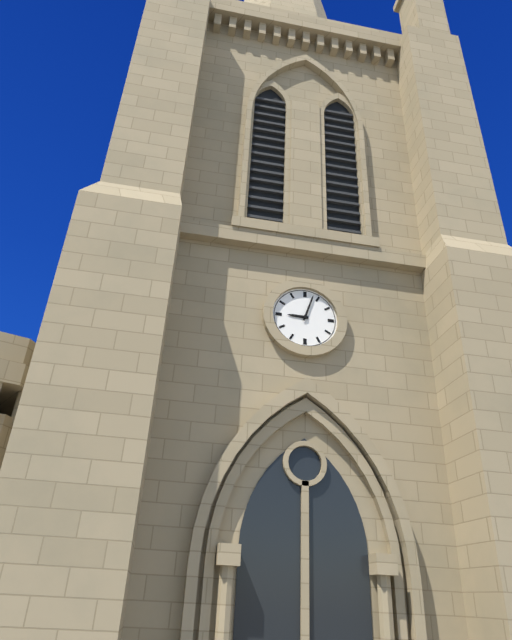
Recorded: h=9 m=3
